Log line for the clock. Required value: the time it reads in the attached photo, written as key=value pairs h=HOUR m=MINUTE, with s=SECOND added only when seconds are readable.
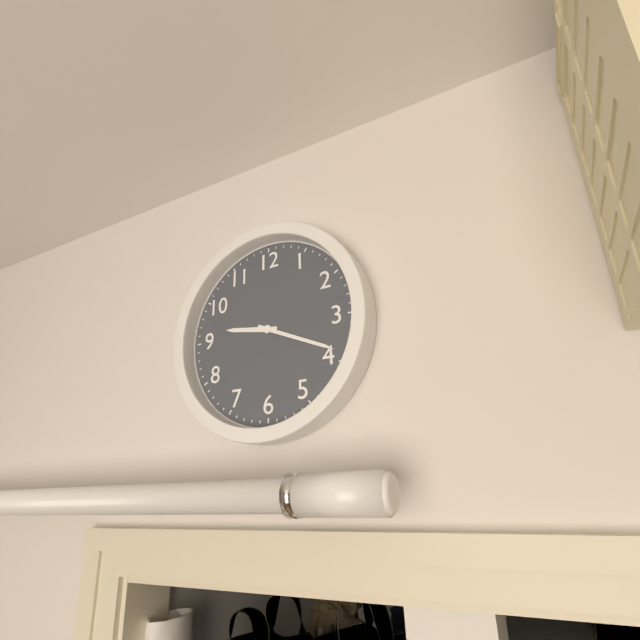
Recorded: h=9 m=19
